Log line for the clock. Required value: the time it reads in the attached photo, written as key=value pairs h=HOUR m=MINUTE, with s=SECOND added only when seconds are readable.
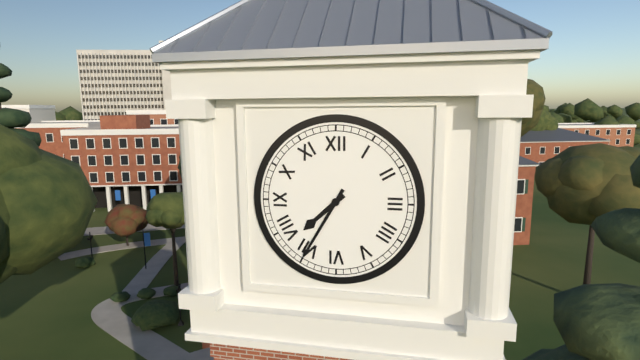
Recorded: h=7 m=35
